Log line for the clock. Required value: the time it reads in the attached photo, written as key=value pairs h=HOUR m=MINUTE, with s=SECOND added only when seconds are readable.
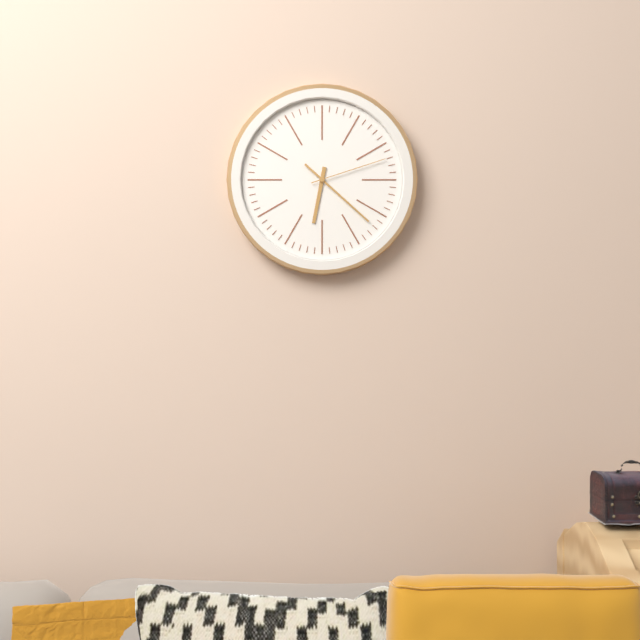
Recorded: h=6 m=22 s=12
